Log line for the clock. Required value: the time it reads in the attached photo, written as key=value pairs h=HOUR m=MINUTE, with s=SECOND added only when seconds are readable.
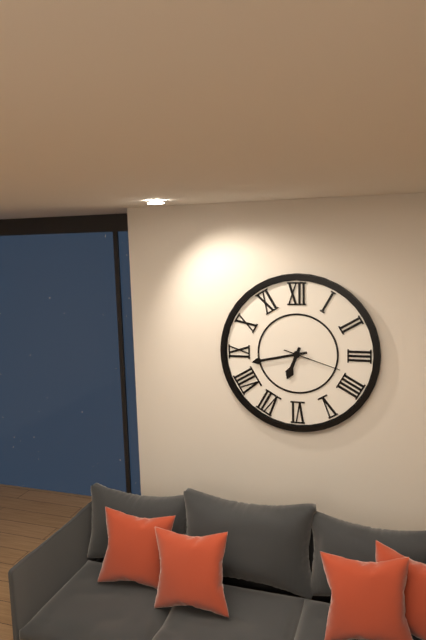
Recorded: h=6 m=43 s=18
